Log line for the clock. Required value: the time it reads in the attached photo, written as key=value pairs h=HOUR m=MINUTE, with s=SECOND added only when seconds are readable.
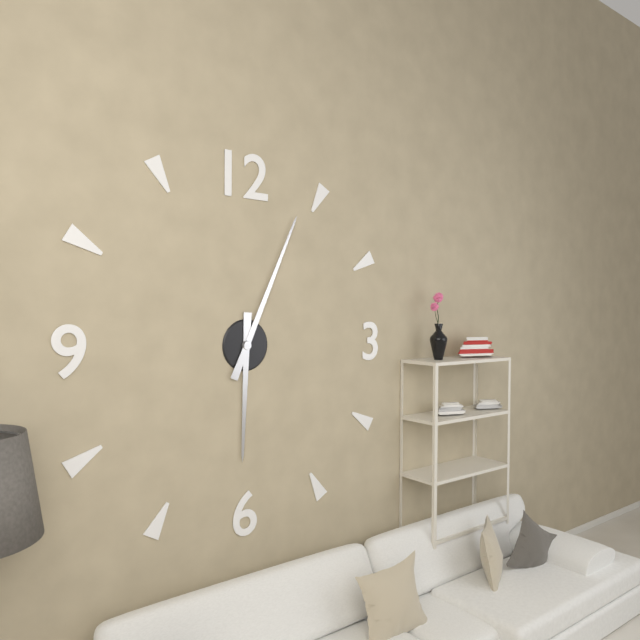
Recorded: h=6 m=4
